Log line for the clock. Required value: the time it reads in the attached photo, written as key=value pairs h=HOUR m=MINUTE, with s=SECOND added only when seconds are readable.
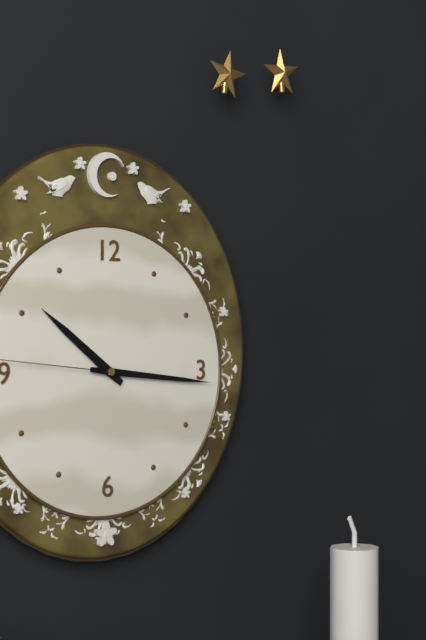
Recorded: h=10 m=16
